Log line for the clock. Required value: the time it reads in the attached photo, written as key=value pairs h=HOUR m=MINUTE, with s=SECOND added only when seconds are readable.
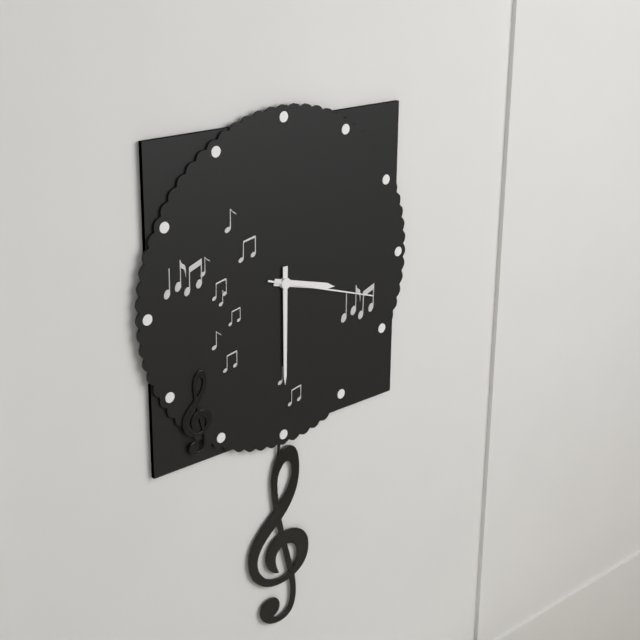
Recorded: h=3 m=30 s=18
